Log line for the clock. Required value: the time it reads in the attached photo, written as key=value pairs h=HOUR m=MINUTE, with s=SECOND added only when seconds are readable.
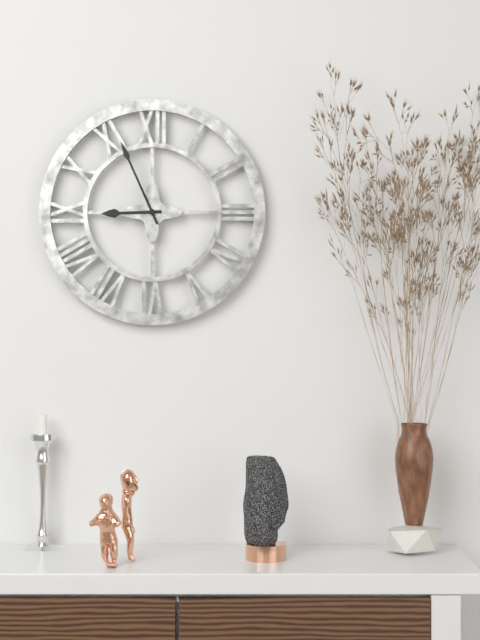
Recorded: h=8 m=56
